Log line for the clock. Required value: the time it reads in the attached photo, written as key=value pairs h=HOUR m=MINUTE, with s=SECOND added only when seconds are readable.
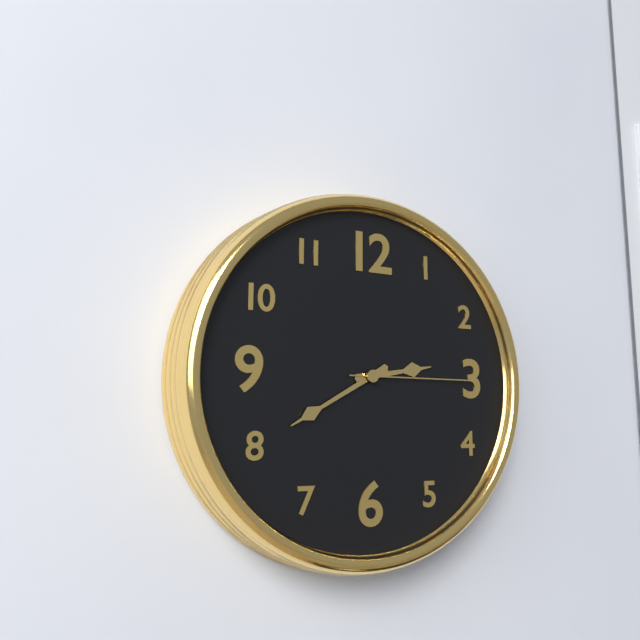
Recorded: h=2 m=40 s=15
